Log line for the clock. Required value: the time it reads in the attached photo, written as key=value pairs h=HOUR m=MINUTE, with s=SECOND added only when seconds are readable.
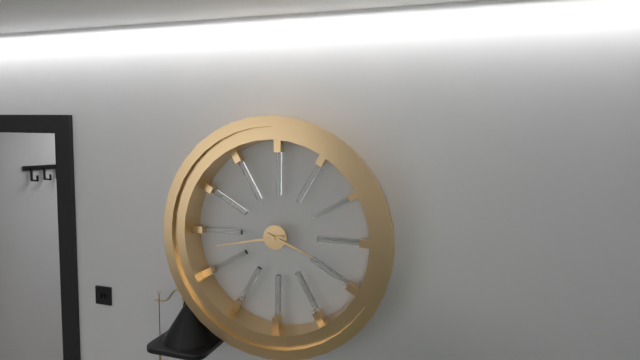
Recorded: h=3 m=43
